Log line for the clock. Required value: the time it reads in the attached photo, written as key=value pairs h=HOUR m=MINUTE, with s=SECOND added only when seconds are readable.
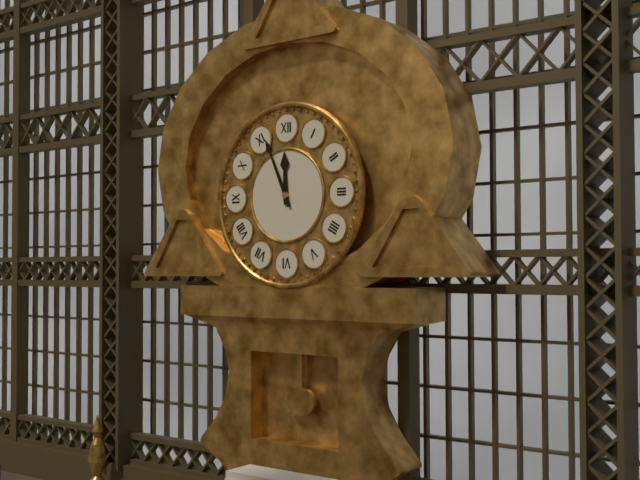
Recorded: h=11 m=56
